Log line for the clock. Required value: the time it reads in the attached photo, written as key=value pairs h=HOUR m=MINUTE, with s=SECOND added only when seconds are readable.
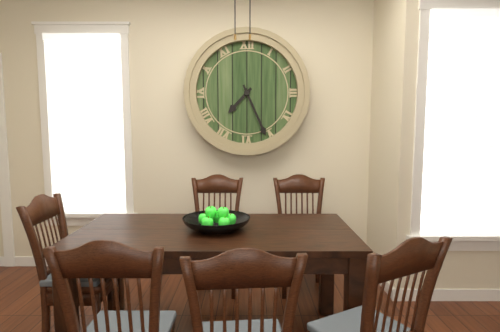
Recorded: h=7 m=26
